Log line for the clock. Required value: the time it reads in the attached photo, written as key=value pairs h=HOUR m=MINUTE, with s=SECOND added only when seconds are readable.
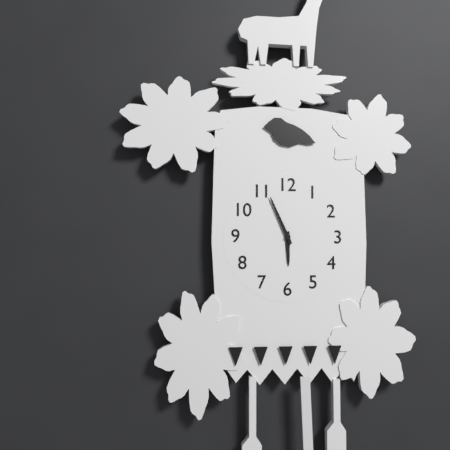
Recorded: h=5 m=56
